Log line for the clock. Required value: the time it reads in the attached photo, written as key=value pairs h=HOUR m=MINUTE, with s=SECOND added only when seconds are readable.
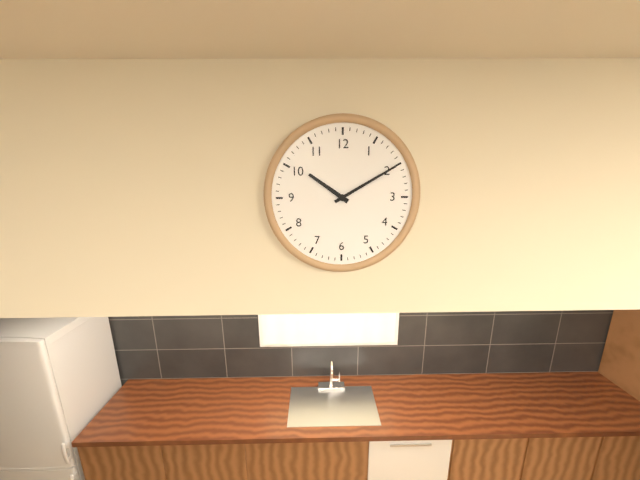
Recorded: h=10 m=10
